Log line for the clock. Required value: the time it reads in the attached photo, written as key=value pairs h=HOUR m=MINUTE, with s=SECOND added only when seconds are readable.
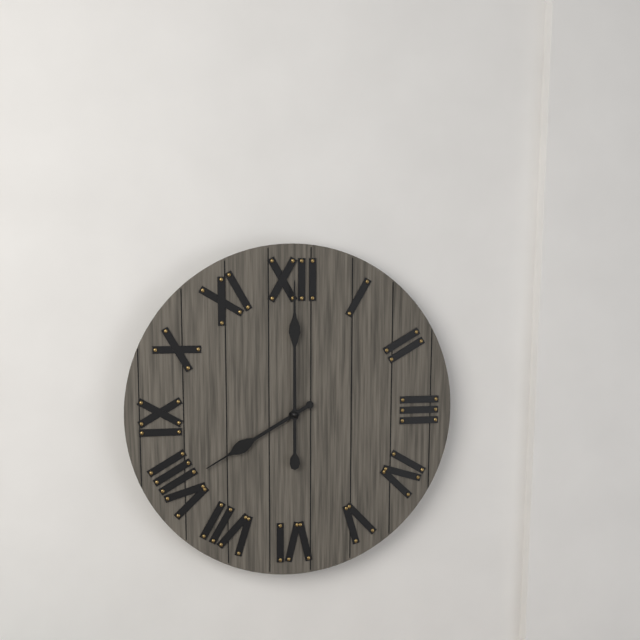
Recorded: h=8 m=0
